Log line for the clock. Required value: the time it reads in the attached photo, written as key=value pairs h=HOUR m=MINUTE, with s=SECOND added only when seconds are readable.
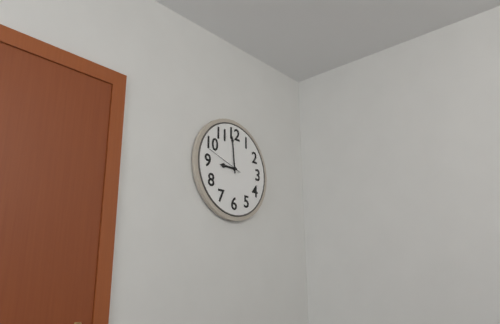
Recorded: h=8 m=59
